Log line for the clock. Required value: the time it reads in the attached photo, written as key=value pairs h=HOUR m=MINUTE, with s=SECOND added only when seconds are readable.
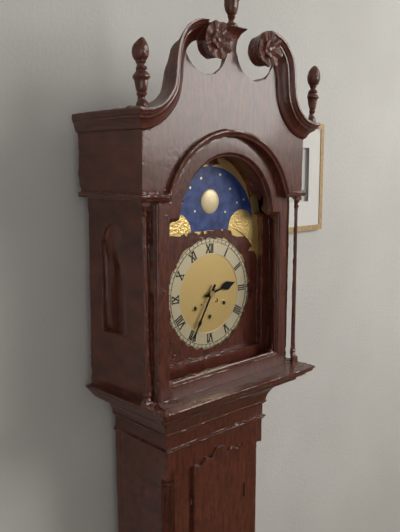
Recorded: h=2 m=35
